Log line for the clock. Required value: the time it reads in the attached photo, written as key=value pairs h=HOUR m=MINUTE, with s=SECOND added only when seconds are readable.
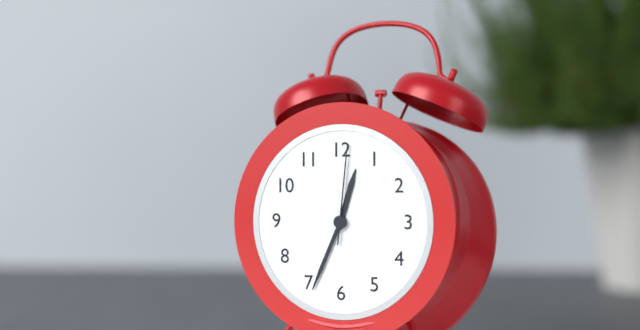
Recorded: h=12 m=34 s=1
